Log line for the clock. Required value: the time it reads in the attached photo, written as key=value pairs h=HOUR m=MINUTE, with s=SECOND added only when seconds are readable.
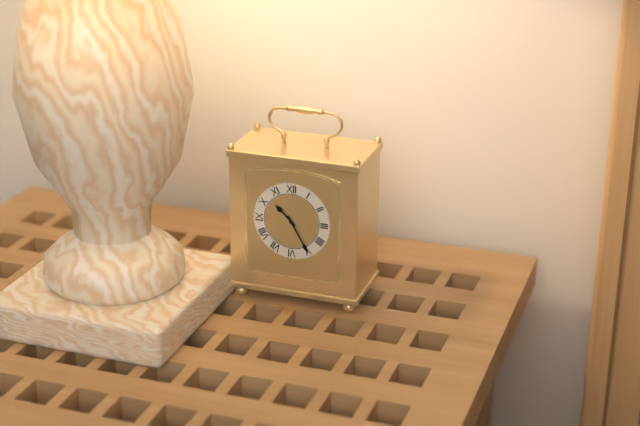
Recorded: h=10 m=25
